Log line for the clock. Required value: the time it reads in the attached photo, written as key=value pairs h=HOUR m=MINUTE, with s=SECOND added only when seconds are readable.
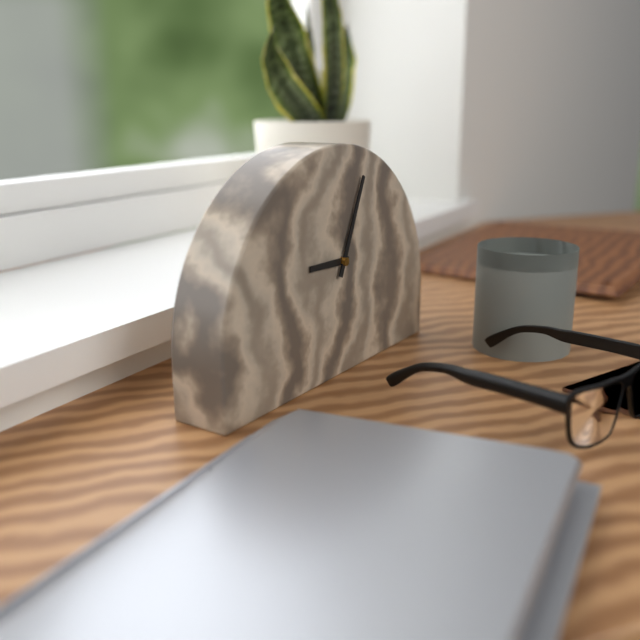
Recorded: h=9 m=4
